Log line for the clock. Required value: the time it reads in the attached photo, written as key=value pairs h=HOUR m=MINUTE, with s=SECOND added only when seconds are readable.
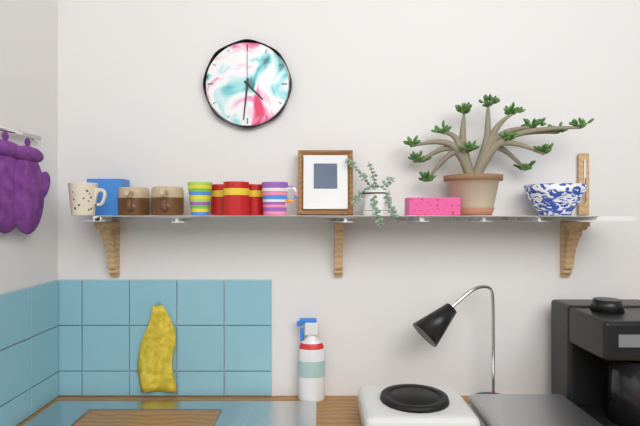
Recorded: h=4 m=31
